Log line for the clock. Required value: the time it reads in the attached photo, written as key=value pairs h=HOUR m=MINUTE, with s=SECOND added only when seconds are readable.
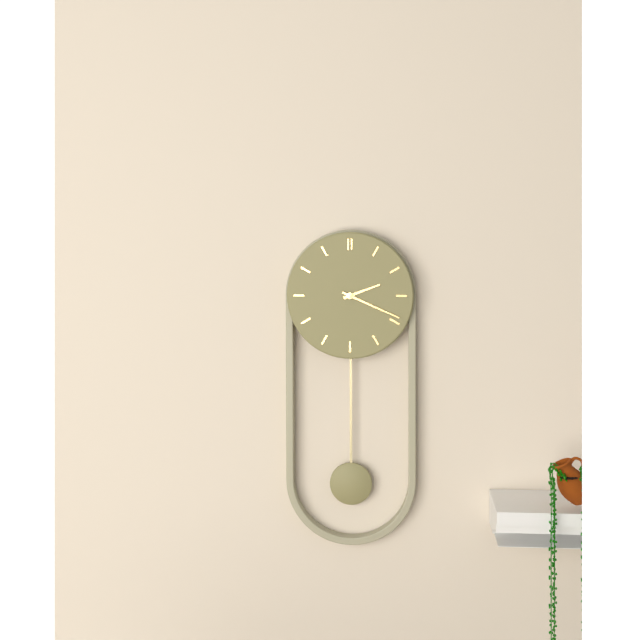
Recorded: h=2 m=19
